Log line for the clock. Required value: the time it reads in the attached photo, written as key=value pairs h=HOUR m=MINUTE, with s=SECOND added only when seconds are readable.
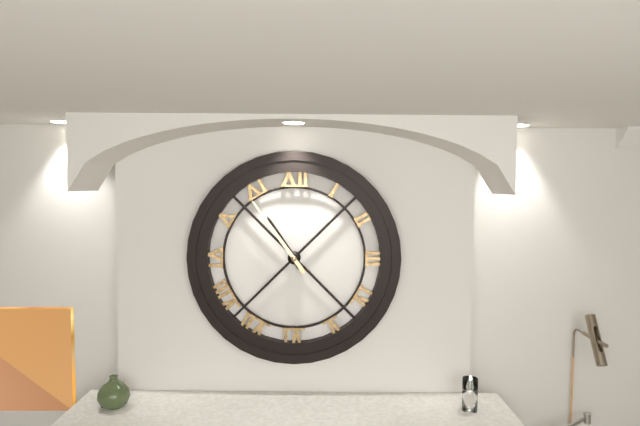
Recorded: h=10 m=54
